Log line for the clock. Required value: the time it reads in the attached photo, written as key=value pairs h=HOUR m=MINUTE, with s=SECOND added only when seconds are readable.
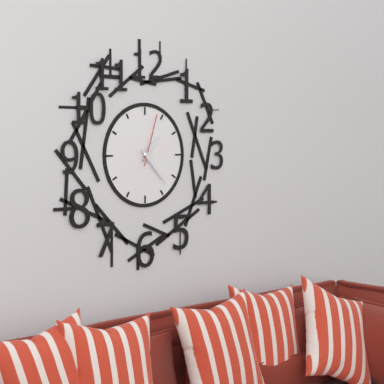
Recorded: h=1 m=23 s=3
